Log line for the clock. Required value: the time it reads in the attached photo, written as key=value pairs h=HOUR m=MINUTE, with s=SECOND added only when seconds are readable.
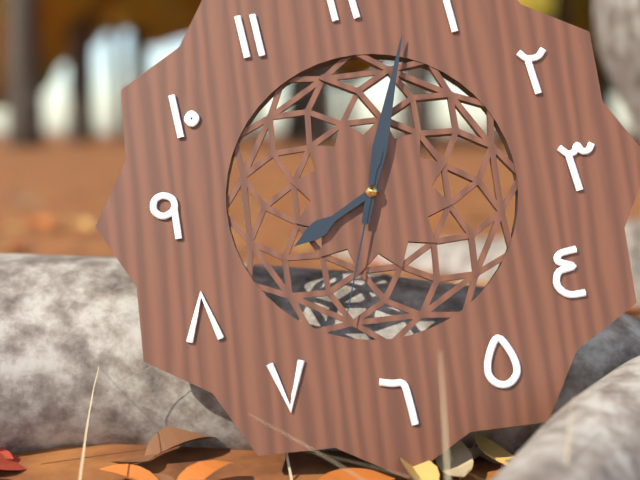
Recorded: h=8 m=3 s=33
